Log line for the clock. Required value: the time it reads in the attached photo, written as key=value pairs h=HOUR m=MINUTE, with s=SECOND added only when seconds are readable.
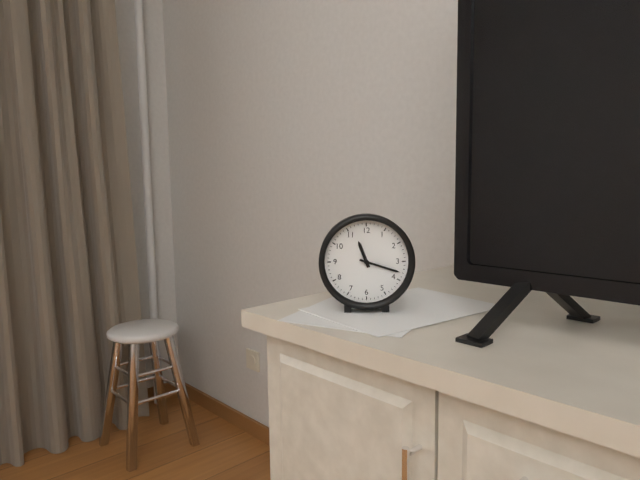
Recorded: h=11 m=18
